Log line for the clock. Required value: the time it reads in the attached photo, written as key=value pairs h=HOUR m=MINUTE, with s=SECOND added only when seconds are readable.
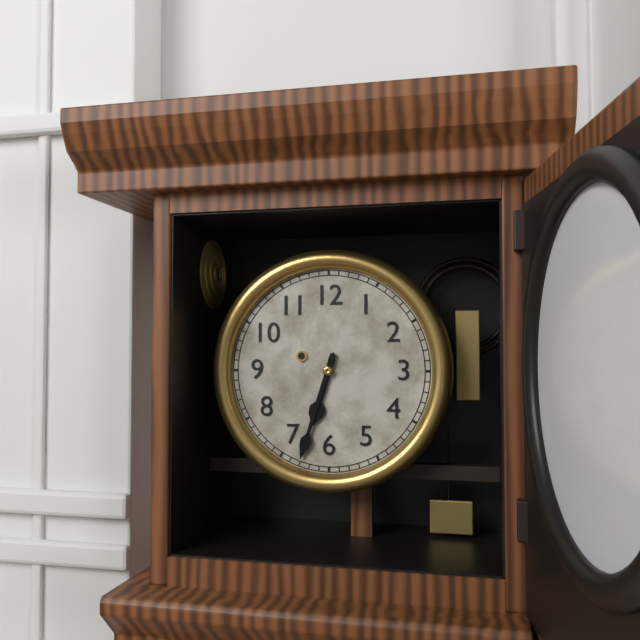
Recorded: h=6 m=33
